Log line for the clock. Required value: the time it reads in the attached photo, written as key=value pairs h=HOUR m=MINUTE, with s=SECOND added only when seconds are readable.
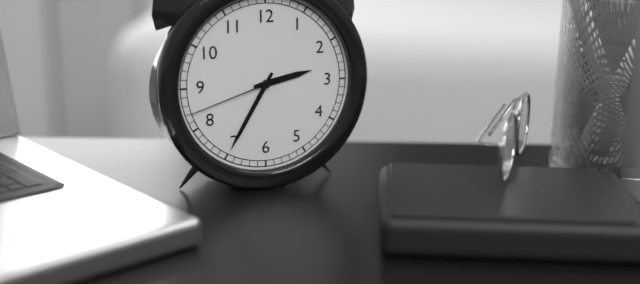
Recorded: h=2 m=35 s=42
